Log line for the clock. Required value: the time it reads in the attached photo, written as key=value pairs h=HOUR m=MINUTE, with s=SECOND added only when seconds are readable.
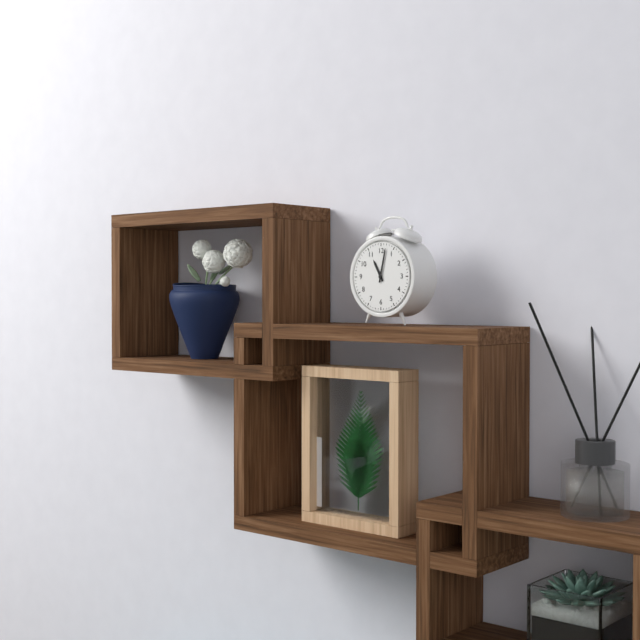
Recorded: h=11 m=2
